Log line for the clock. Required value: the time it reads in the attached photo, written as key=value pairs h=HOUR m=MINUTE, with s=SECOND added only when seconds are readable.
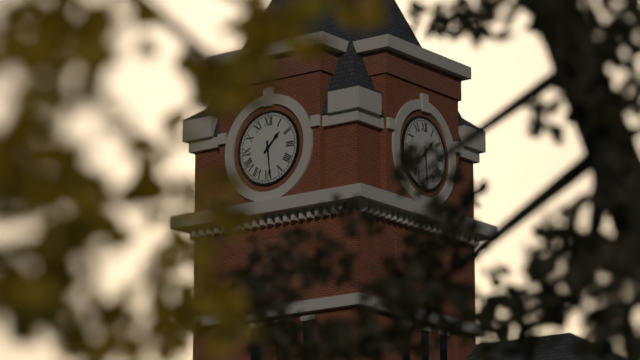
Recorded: h=1 m=29
